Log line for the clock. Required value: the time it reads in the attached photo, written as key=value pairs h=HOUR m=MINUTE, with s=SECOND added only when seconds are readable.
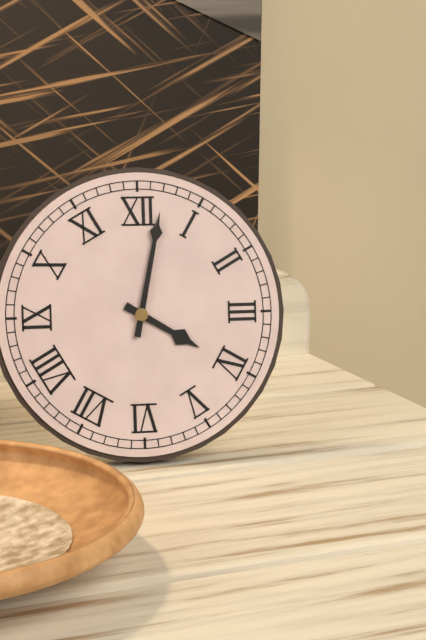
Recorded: h=4 m=2
